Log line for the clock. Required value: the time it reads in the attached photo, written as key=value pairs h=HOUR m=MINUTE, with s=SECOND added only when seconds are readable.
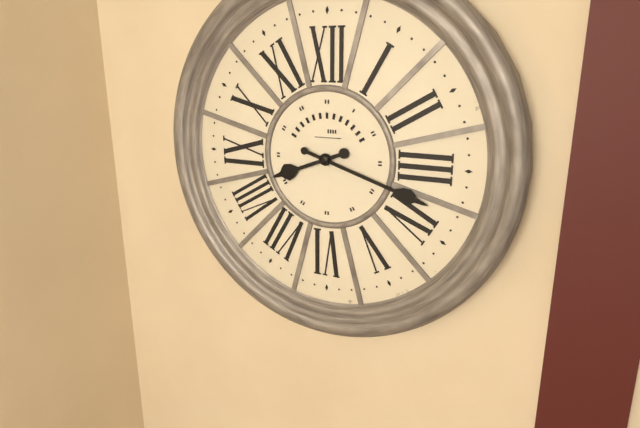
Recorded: h=8 m=18
